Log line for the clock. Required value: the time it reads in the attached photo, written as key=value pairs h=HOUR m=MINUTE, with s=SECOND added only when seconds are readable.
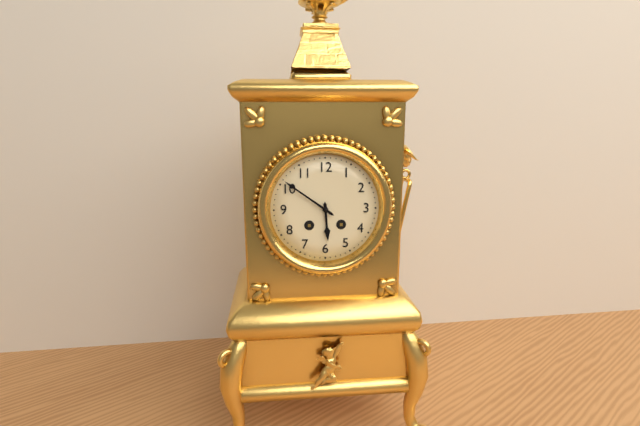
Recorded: h=5 m=51
